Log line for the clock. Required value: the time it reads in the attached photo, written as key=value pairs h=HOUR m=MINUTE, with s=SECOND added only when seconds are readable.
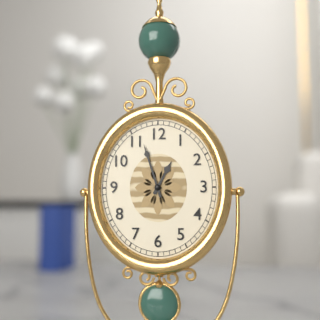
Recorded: h=12 m=57
